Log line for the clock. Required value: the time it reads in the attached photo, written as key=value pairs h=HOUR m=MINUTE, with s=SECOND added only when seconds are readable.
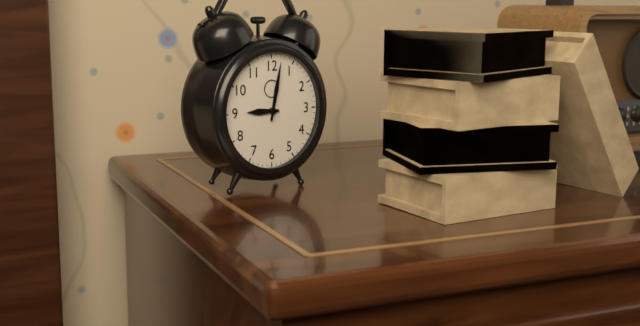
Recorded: h=9 m=2
